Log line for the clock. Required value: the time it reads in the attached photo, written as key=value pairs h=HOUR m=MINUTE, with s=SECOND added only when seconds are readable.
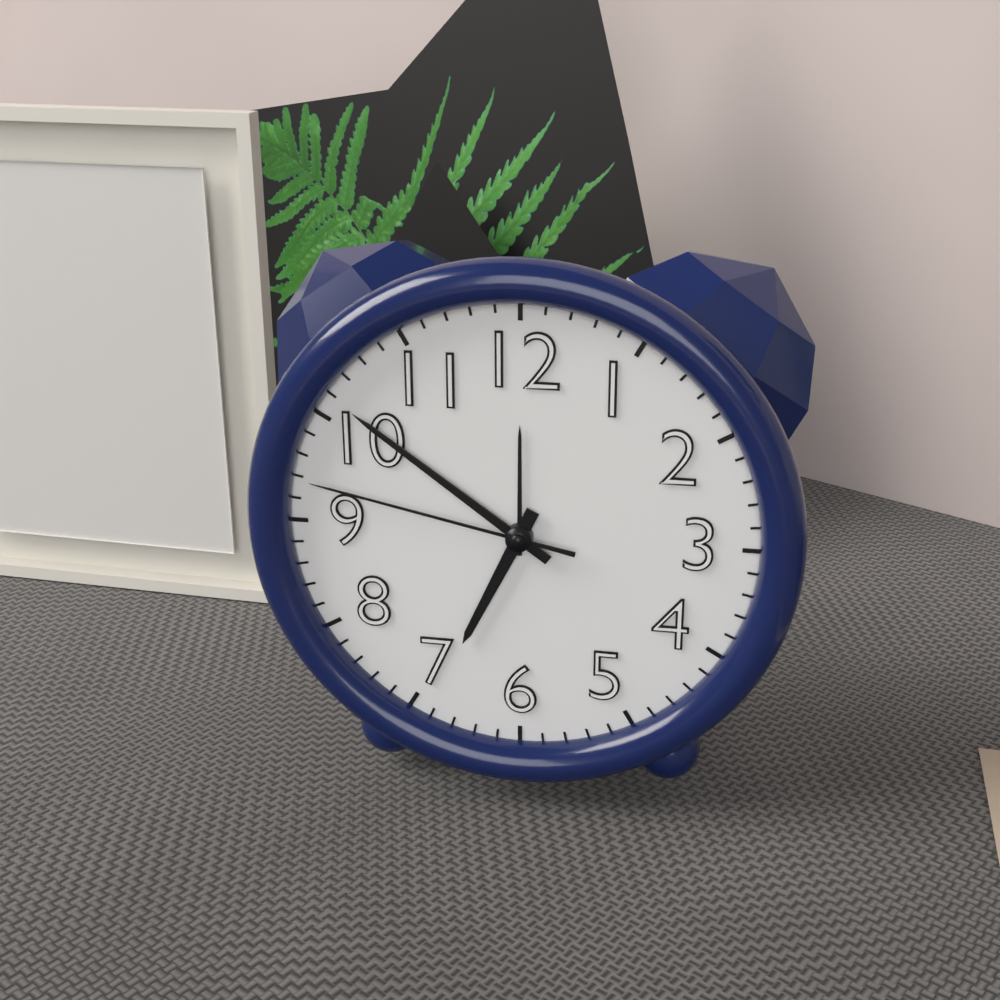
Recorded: h=6 m=51 s=47
